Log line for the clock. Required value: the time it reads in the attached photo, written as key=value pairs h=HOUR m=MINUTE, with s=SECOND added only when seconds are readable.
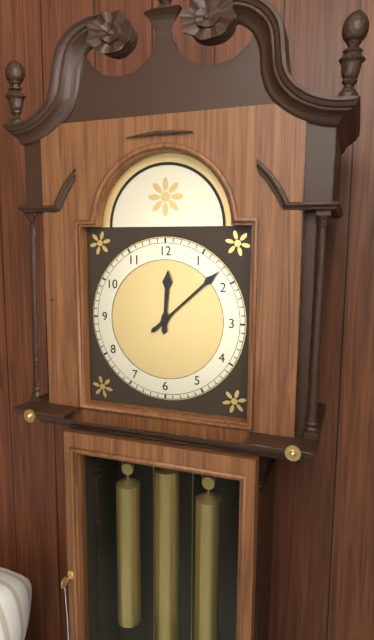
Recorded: h=12 m=8
